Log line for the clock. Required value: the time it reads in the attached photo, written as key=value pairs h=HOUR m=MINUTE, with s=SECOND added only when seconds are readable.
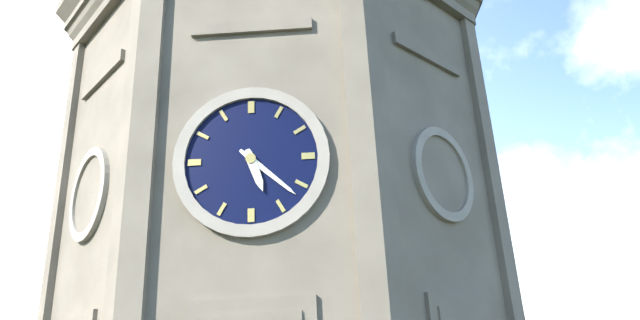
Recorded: h=5 m=22
